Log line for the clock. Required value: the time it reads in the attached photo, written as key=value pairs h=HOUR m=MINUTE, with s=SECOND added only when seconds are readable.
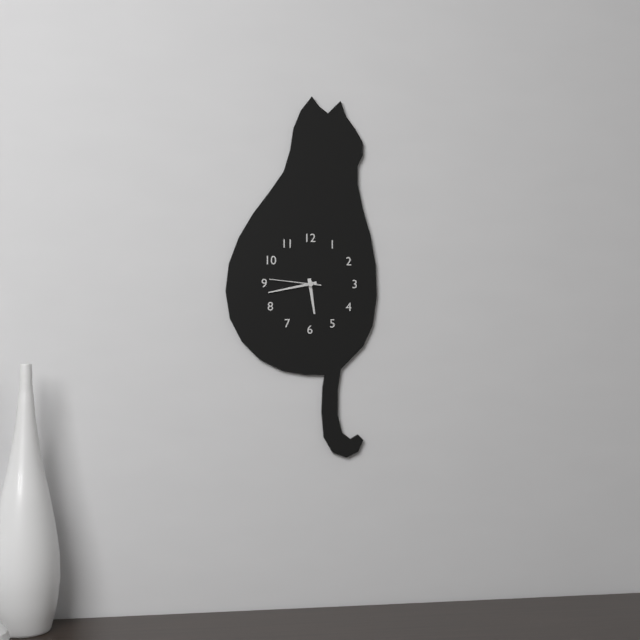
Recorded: h=5 m=43 s=46
